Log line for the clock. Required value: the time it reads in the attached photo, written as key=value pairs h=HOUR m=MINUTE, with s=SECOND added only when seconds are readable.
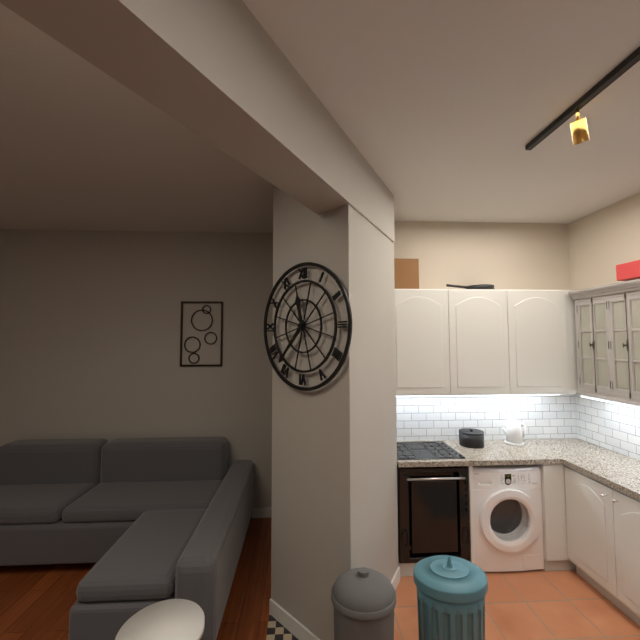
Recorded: h=11 m=37
